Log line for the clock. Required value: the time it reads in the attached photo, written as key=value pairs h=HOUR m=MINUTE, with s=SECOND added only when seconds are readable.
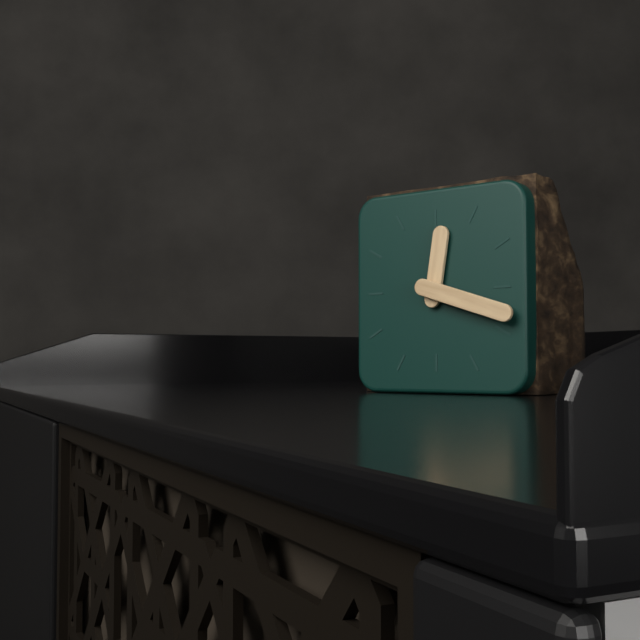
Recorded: h=12 m=18
